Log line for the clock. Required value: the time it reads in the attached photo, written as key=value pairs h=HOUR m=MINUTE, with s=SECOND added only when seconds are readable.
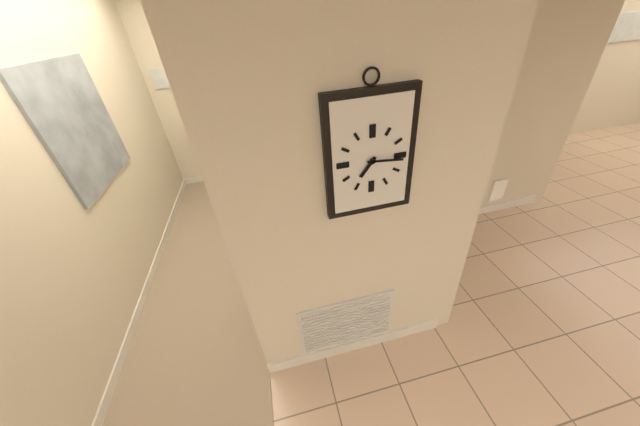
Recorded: h=7 m=16
